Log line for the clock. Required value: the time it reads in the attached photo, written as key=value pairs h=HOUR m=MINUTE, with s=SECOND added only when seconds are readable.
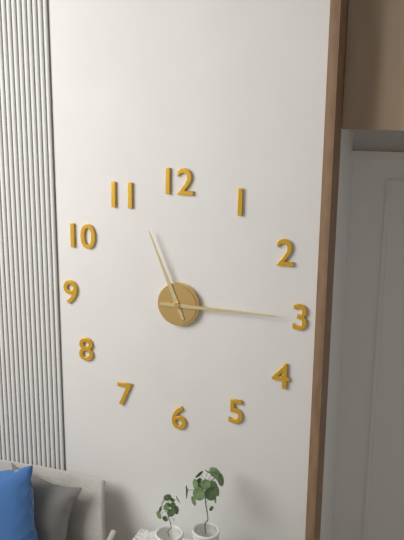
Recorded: h=11 m=15
